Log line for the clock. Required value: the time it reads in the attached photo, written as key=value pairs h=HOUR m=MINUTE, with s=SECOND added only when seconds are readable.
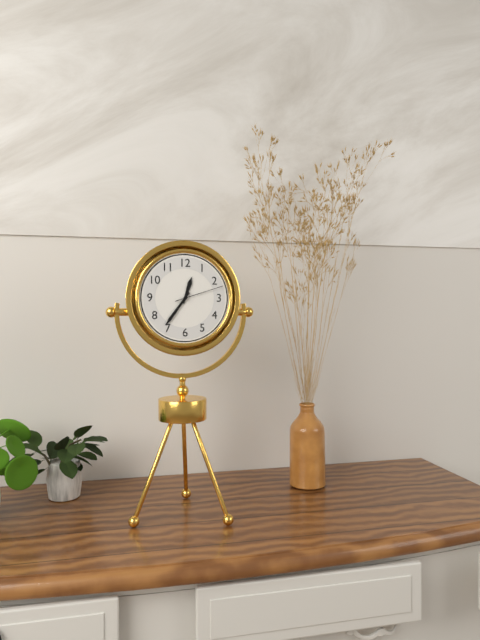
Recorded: h=12 m=36 s=12
